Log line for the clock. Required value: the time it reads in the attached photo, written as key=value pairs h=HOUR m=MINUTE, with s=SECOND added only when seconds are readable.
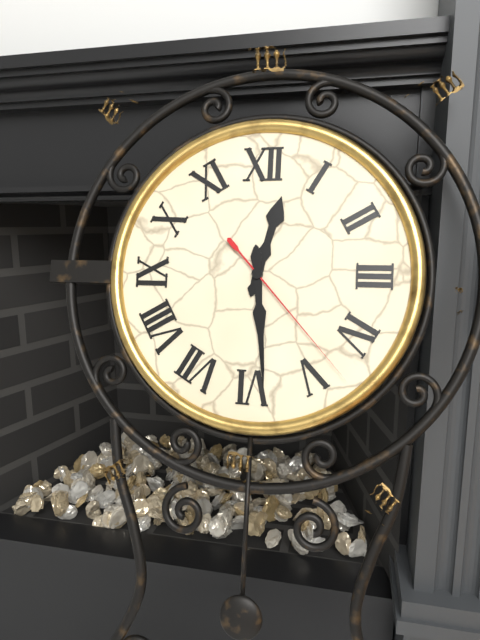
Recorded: h=12 m=29 s=23
